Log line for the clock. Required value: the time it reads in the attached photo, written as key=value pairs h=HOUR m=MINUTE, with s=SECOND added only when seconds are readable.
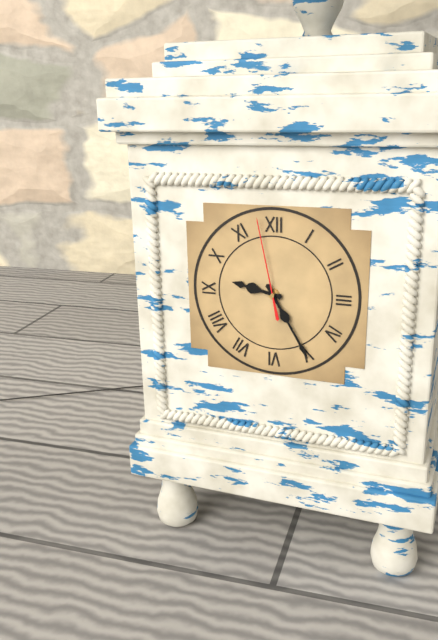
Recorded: h=9 m=25 s=58
